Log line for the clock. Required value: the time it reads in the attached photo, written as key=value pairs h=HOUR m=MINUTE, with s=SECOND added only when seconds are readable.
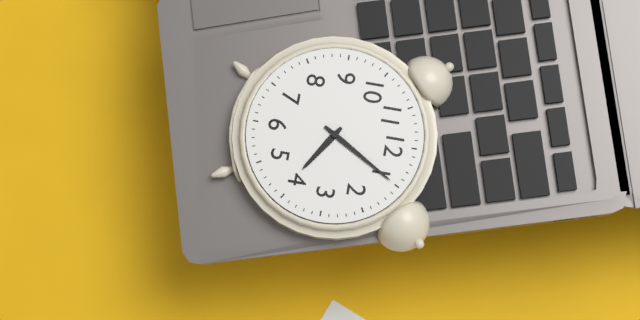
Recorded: h=4 m=5
